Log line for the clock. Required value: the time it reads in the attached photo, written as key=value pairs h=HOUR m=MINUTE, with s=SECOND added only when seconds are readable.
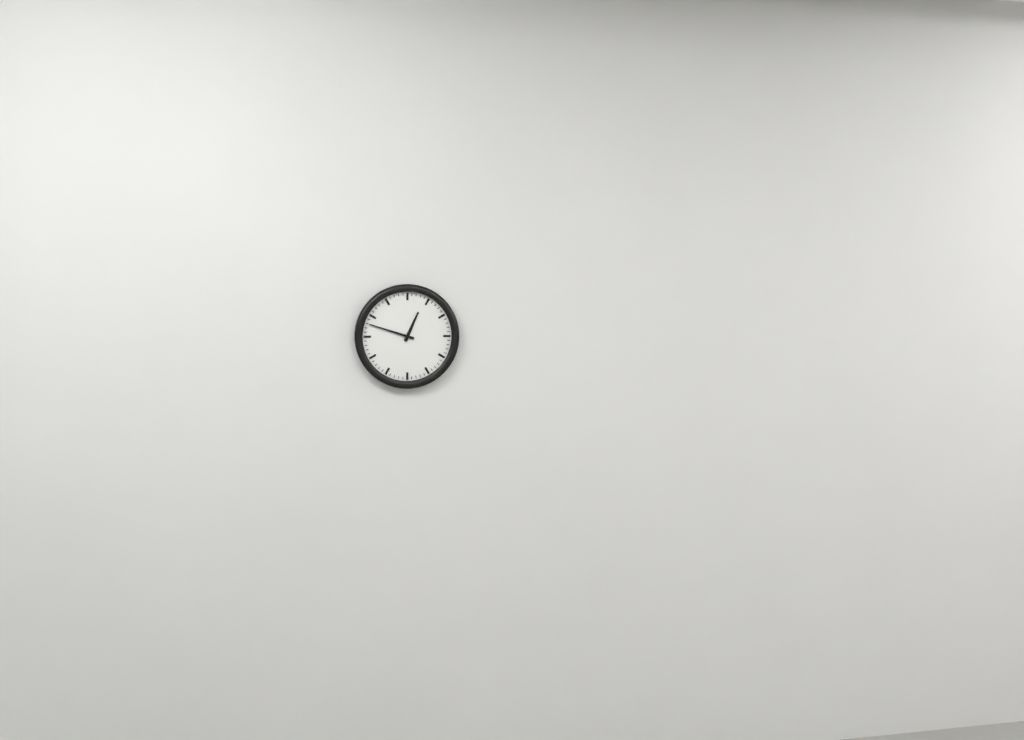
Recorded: h=12 m=48
